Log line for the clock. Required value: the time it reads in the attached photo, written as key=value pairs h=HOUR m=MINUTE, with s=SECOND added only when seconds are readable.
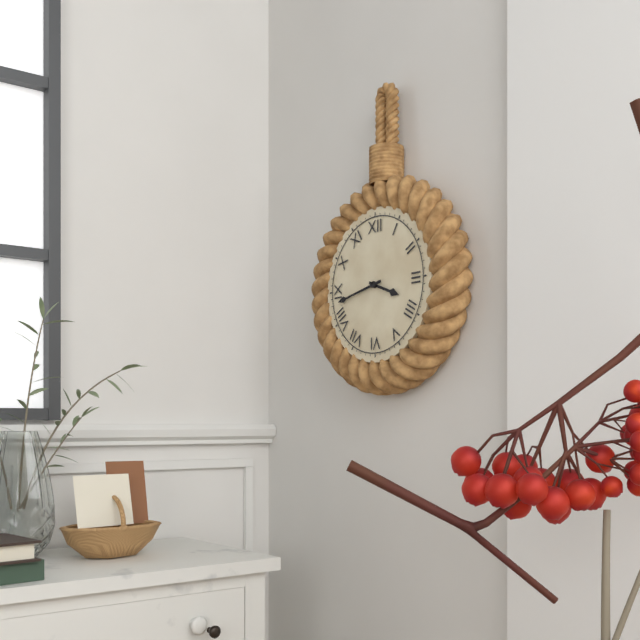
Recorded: h=3 m=43
